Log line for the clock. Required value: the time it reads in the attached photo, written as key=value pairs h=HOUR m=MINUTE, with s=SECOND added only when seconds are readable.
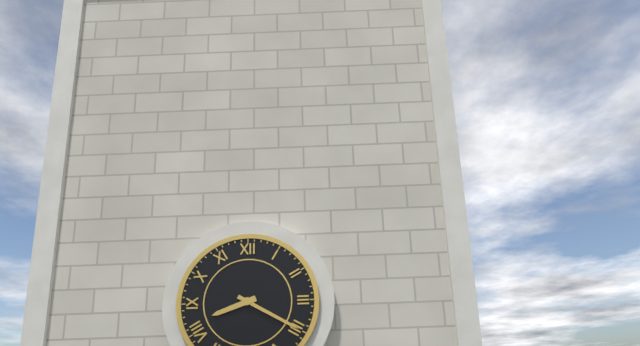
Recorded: h=8 m=20
